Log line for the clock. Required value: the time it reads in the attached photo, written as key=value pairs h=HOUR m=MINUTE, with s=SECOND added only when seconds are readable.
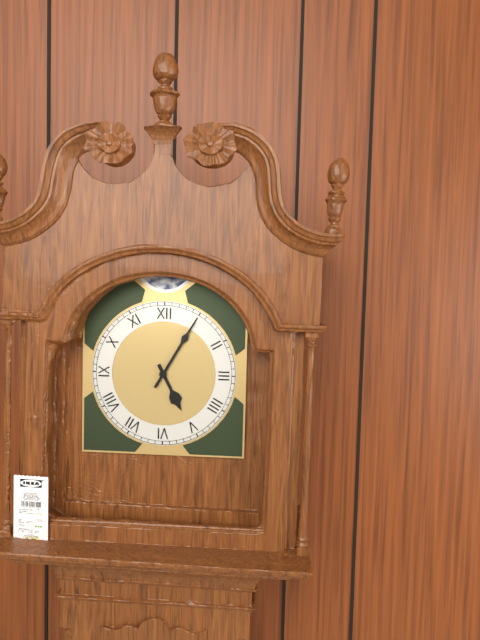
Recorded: h=5 m=5
